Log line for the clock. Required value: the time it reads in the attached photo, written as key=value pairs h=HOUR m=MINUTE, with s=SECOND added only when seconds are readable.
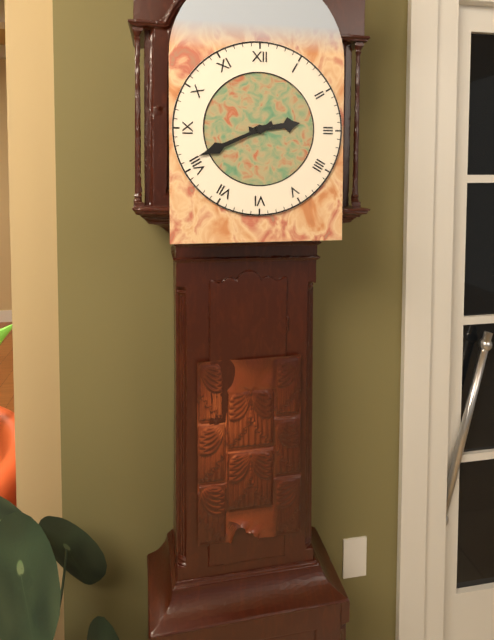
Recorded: h=2 m=41
